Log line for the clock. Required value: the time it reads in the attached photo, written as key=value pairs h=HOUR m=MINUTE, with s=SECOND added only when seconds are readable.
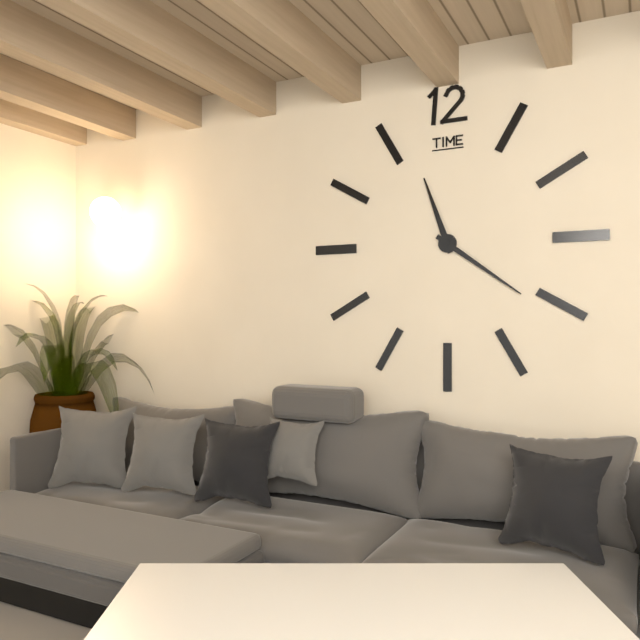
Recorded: h=11 m=21
